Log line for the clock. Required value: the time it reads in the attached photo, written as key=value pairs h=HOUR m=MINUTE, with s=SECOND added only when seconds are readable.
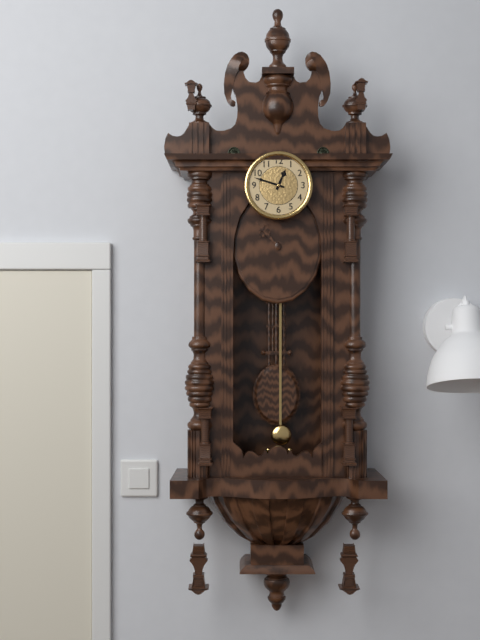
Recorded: h=12 m=48
